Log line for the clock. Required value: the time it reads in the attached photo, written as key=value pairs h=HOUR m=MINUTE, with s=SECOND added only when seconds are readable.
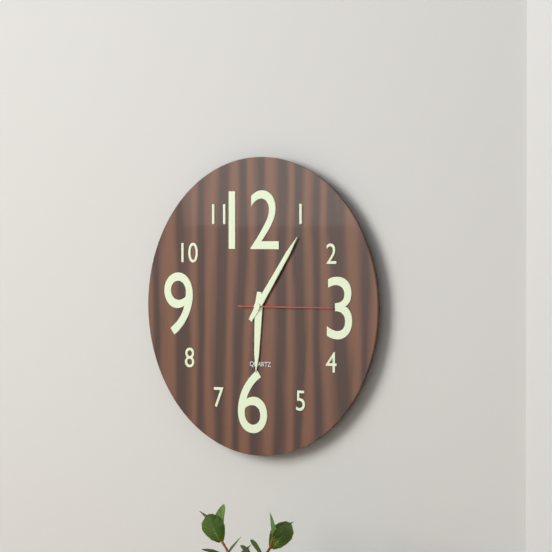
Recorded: h=6 m=6 s=15
